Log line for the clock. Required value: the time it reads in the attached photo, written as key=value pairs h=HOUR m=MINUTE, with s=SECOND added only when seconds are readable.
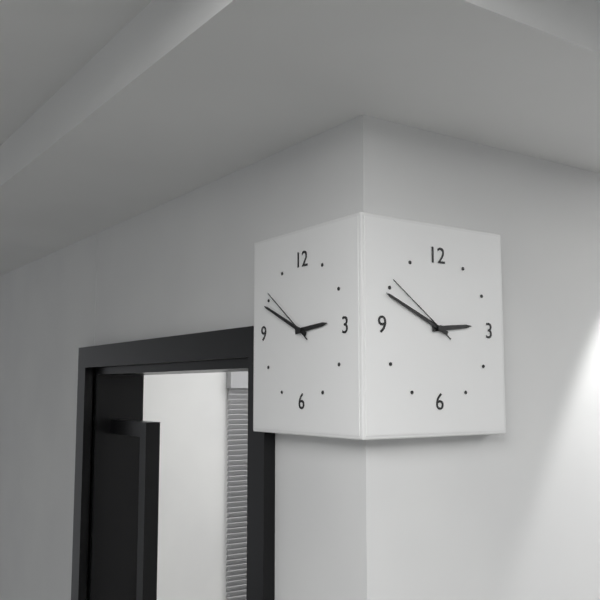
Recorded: h=2 m=49 s=51
